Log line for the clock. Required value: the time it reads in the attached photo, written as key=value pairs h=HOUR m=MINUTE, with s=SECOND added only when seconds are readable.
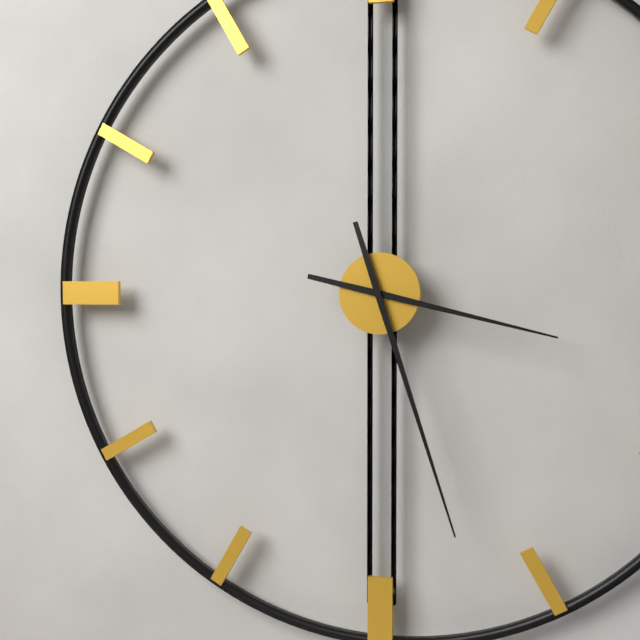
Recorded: h=3 m=27
